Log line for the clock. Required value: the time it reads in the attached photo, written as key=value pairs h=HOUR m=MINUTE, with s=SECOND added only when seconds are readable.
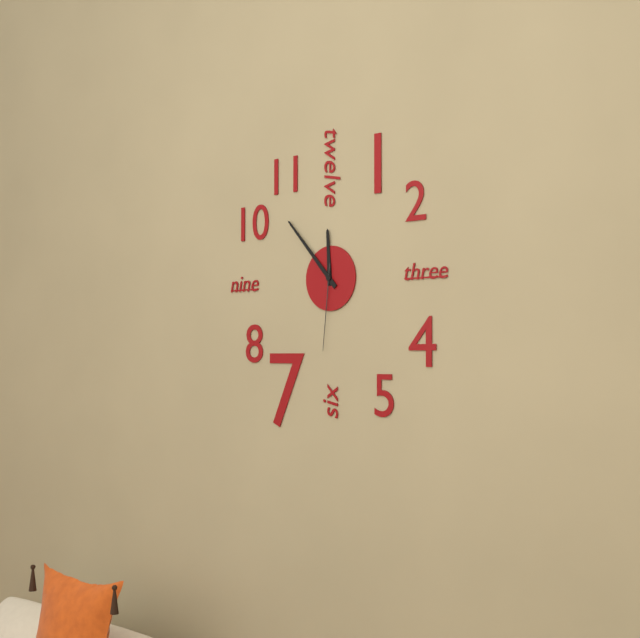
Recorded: h=11 m=53 s=31
